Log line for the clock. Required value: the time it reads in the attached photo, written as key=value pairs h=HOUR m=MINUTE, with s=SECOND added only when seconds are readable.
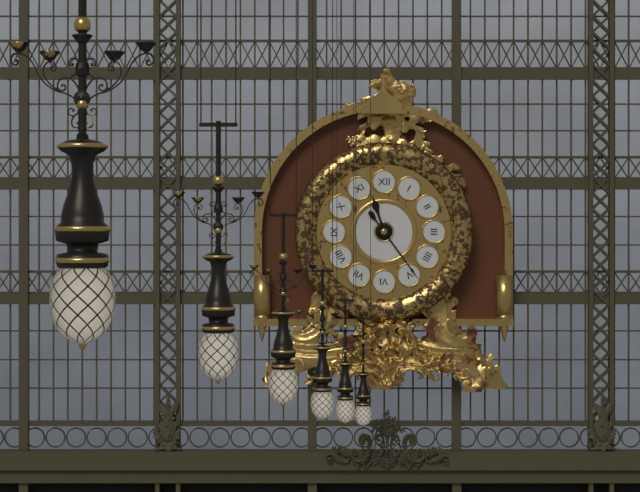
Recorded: h=11 m=24
